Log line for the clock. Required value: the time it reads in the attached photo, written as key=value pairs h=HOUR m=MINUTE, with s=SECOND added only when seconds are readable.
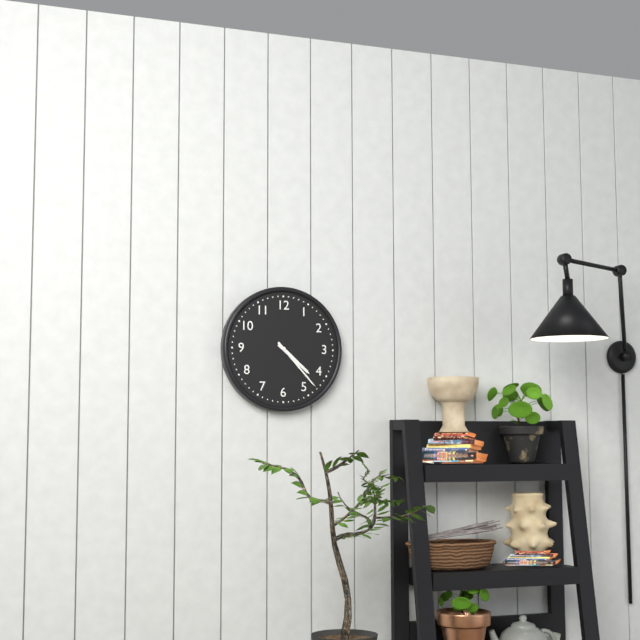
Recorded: h=4 m=23
